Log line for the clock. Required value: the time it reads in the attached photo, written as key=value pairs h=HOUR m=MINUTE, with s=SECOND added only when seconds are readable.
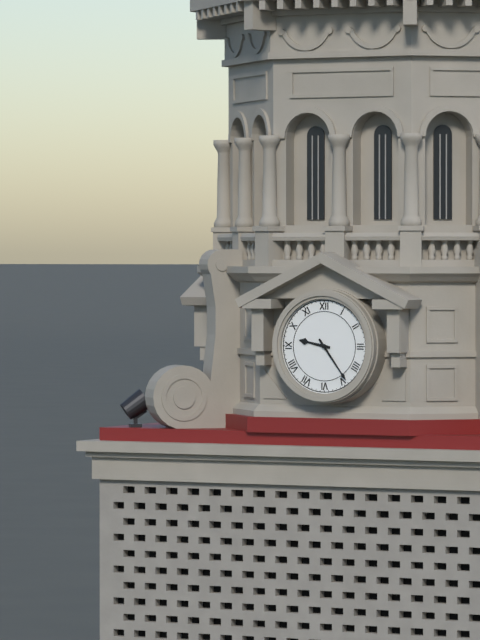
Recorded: h=9 m=24
